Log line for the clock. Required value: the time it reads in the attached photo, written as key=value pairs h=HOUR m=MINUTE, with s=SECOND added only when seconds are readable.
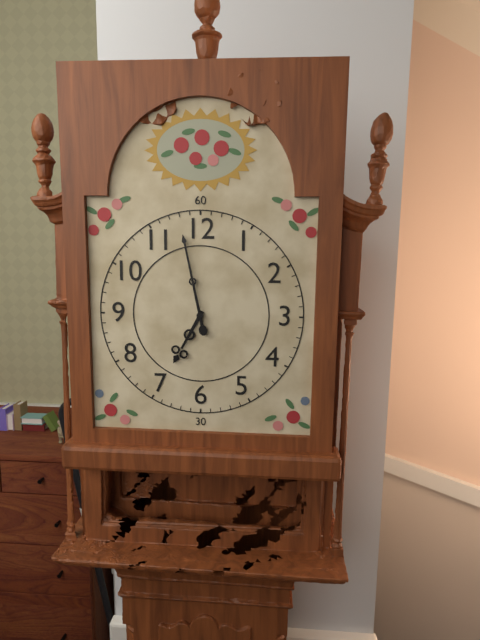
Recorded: h=6 m=58
